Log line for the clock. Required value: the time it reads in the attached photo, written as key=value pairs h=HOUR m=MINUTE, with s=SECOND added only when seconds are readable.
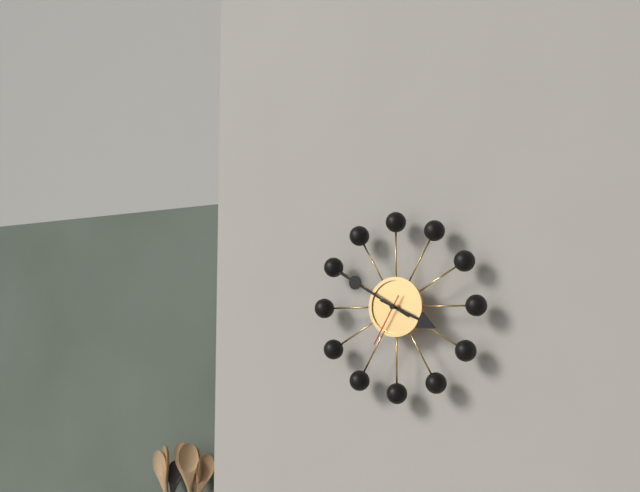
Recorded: h=3 m=50 s=35
